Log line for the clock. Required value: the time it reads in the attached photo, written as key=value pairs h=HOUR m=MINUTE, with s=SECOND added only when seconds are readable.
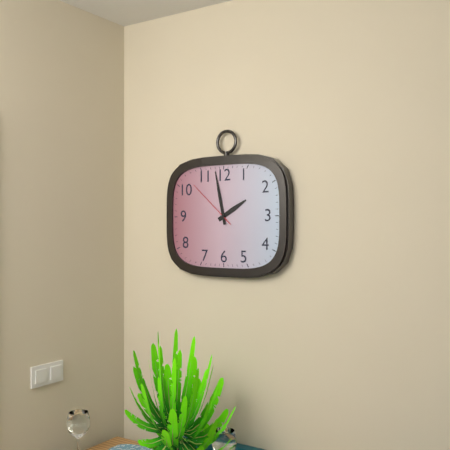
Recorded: h=1 m=58 s=52
